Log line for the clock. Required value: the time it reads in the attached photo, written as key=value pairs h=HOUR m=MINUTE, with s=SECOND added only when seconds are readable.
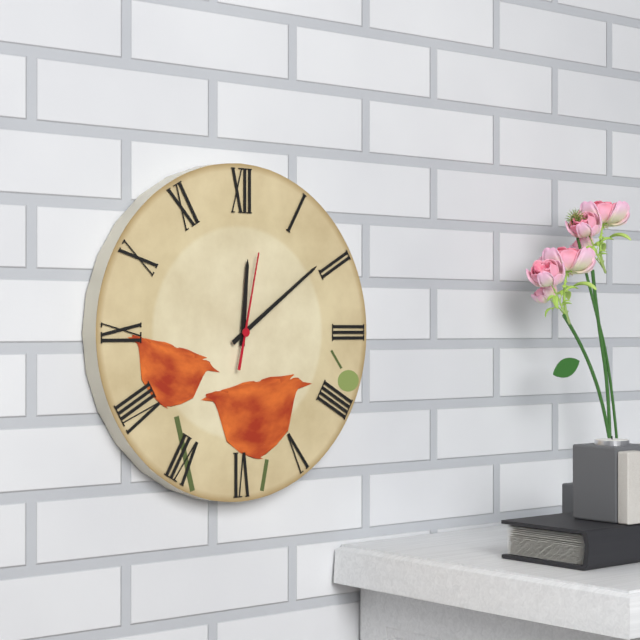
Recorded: h=12 m=9 s=2
